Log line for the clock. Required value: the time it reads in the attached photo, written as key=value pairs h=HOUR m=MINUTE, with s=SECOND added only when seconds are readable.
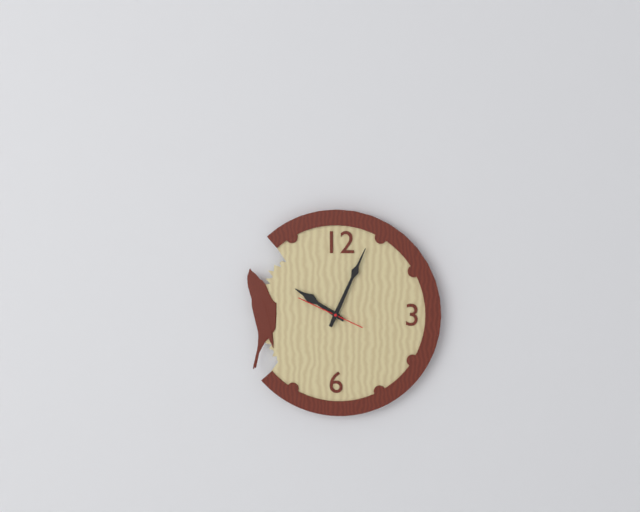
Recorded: h=10 m=4 s=49
